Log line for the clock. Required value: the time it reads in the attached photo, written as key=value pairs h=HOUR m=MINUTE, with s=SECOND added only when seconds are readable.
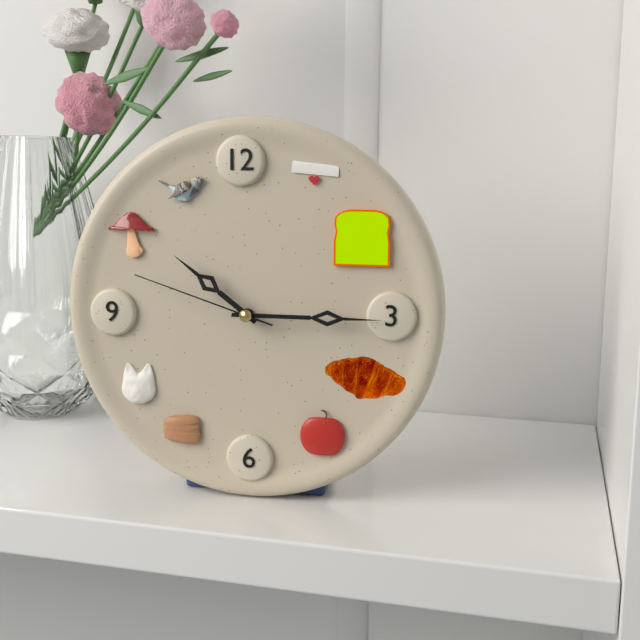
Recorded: h=10 m=15 s=48
